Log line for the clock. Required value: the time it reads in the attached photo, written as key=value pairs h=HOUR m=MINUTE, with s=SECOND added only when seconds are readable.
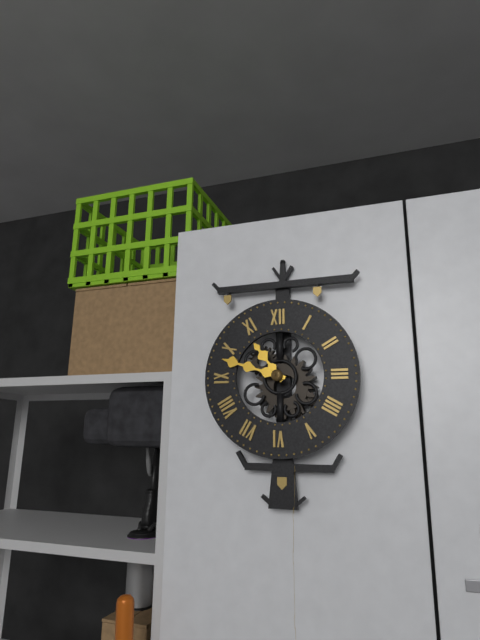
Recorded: h=10 m=48
